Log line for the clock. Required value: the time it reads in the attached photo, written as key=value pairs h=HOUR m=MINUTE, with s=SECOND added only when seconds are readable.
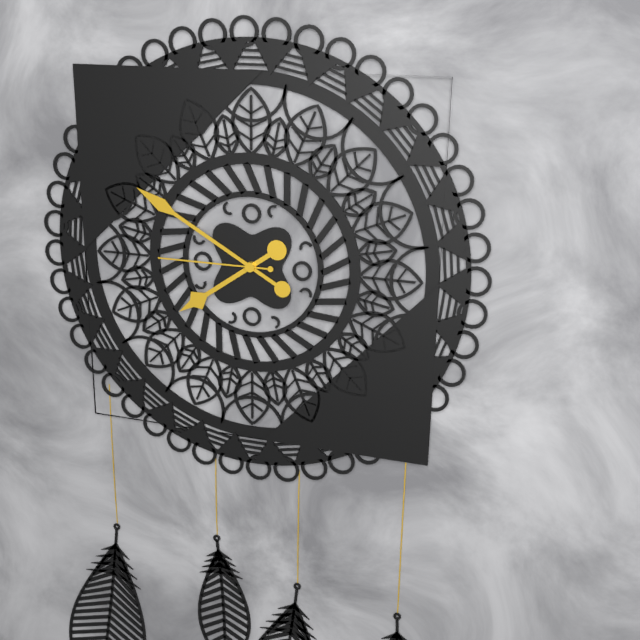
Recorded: h=7 m=50 s=45
